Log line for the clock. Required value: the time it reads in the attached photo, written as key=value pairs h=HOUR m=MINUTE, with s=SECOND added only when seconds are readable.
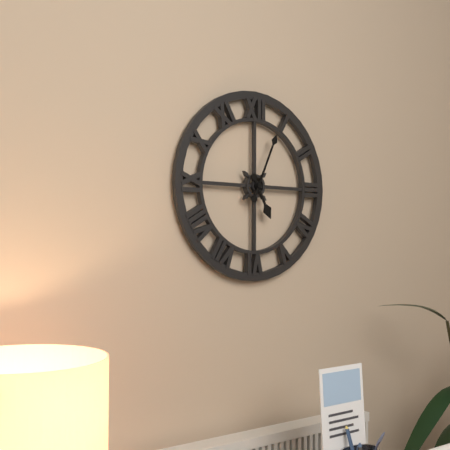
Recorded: h=5 m=4
